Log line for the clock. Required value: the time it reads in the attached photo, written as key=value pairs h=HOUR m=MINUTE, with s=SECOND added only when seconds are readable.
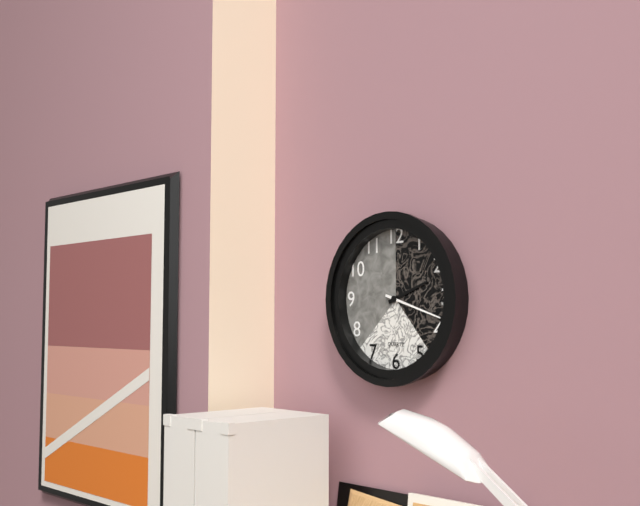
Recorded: h=2 m=18
